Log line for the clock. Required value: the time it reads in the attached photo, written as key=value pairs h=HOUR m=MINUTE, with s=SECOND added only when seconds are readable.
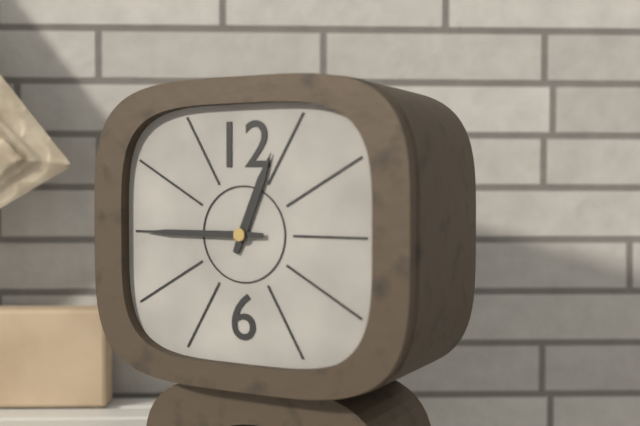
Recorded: h=12 m=45
